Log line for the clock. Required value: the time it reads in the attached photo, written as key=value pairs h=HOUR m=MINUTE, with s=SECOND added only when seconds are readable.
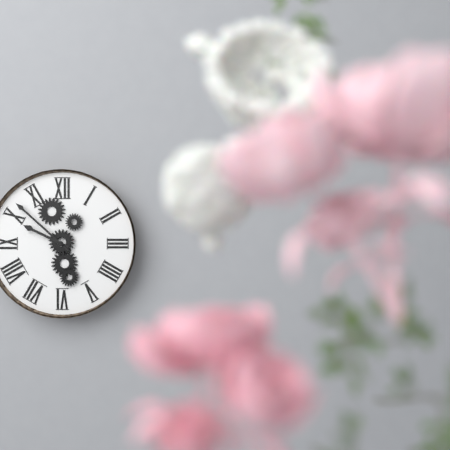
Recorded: h=9 m=52
